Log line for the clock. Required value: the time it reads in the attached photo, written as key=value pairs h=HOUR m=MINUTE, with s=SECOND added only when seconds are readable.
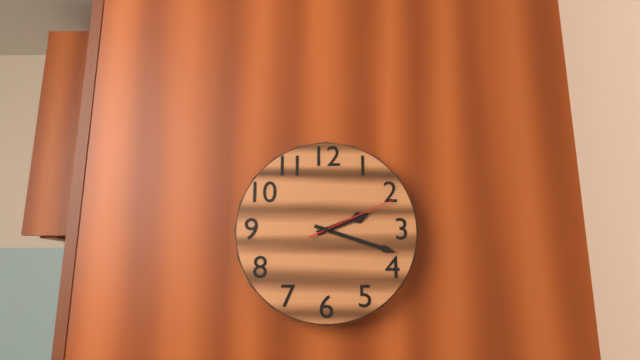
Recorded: h=2 m=18 s=11
